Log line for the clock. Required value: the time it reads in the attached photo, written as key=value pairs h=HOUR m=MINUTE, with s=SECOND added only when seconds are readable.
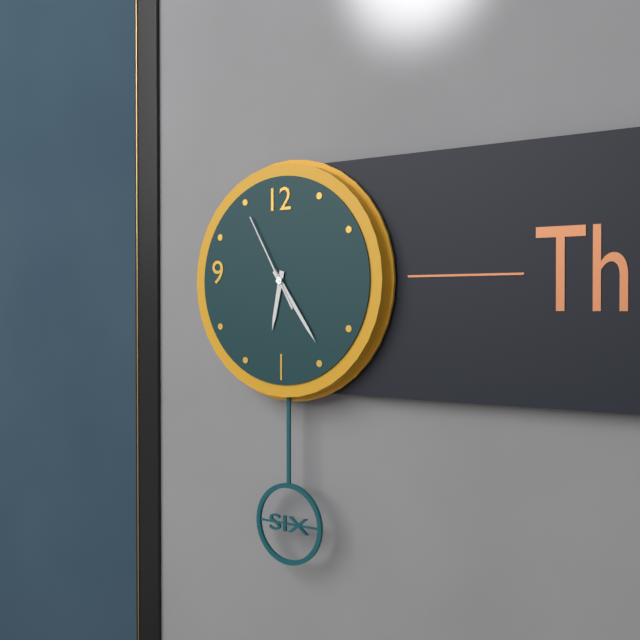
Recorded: h=6 m=24 s=55
